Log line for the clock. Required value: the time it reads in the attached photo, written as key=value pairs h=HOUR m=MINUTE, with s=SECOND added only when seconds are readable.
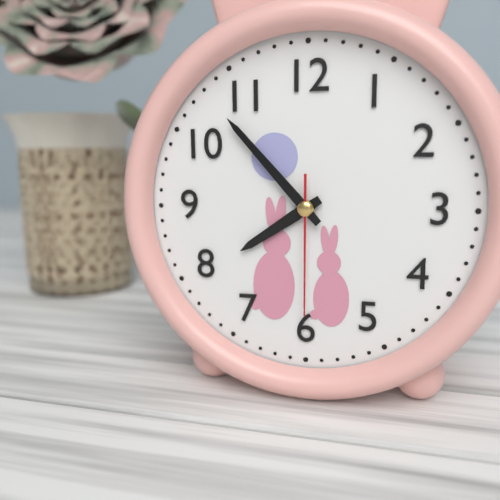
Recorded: h=7 m=53 s=30
